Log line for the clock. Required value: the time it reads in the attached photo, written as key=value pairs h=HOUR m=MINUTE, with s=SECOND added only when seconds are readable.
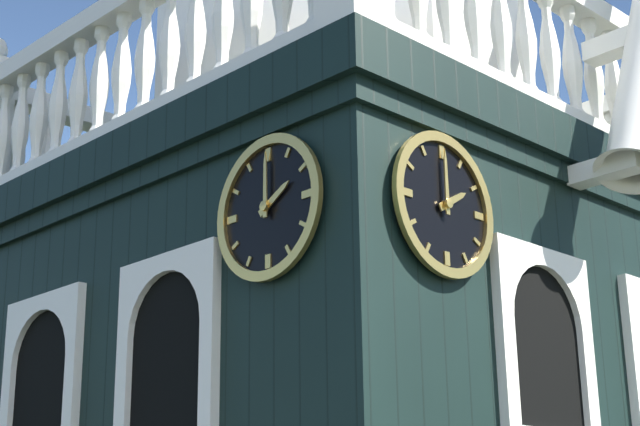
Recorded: h=2 m=0
